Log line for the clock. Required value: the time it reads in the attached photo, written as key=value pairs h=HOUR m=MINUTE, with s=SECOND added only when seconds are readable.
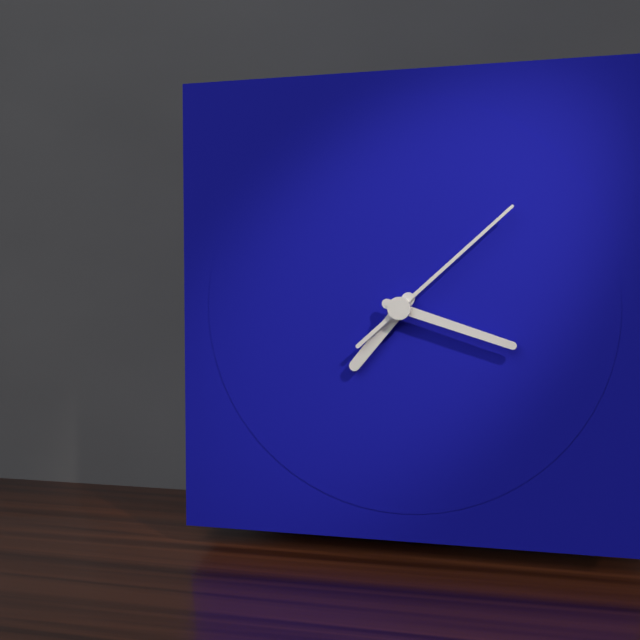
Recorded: h=7 m=18 s=8
